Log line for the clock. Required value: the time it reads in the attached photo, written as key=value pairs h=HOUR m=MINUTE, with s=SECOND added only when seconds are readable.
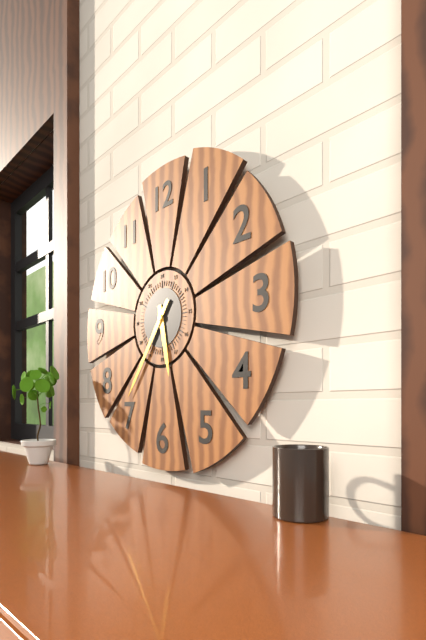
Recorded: h=5 m=36
